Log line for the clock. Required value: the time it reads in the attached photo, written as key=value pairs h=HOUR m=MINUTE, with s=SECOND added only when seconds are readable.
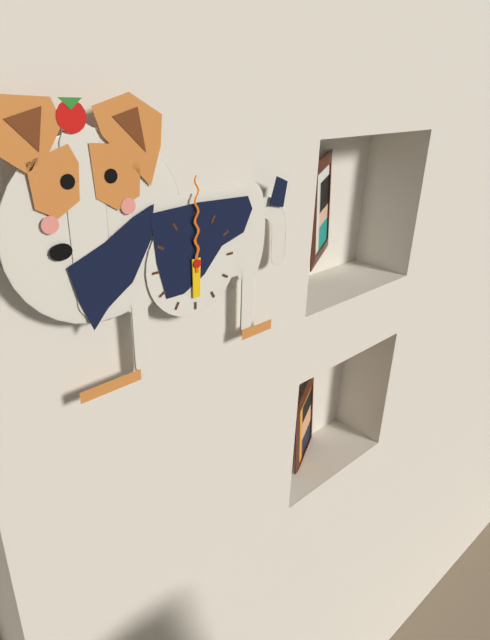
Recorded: h=6 m=0
